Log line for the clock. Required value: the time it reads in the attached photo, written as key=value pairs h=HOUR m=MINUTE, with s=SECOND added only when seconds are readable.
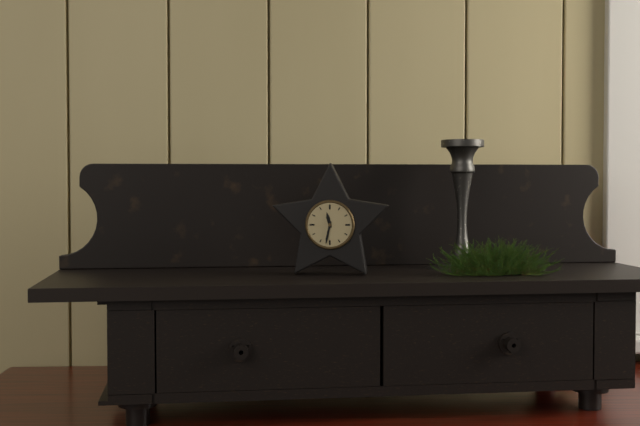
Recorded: h=11 m=32
